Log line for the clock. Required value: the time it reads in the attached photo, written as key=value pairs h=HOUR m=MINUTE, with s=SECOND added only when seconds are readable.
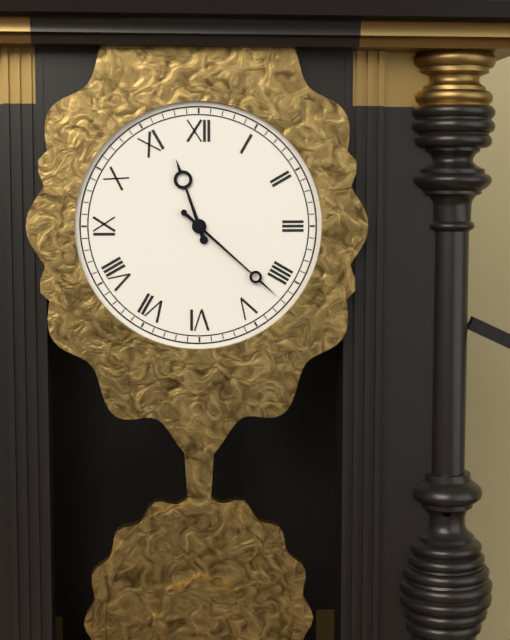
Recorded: h=11 m=22
